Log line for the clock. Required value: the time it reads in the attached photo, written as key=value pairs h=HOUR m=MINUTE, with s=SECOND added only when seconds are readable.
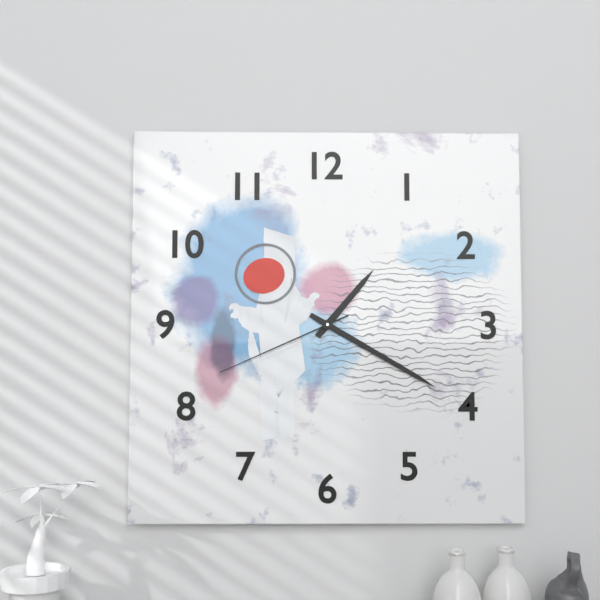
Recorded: h=1 m=20 s=41
